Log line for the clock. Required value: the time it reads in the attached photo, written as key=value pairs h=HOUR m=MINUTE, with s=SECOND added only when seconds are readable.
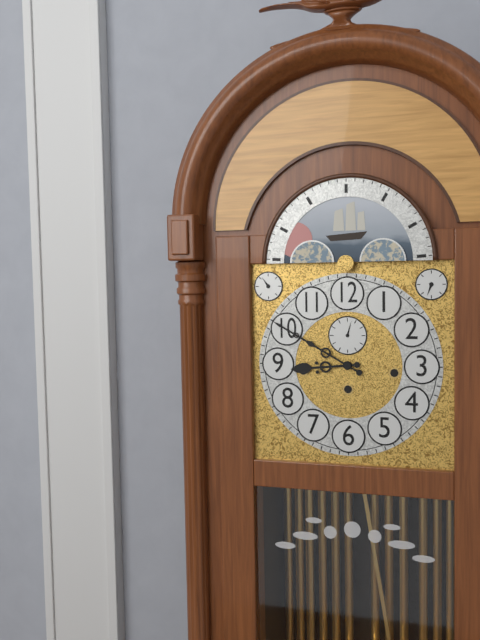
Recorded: h=8 m=50
